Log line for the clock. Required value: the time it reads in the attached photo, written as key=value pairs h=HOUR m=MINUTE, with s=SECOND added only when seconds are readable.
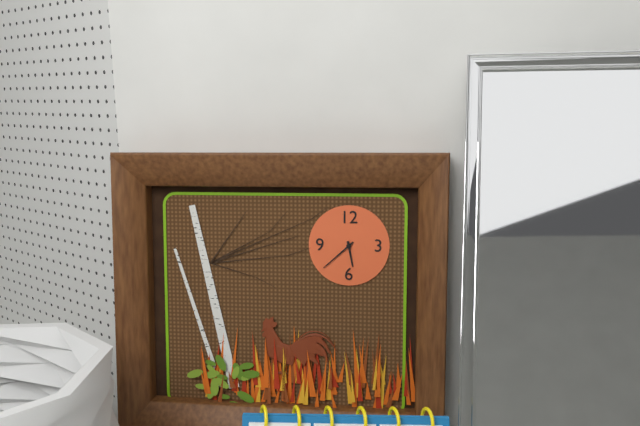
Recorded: h=5 m=38
